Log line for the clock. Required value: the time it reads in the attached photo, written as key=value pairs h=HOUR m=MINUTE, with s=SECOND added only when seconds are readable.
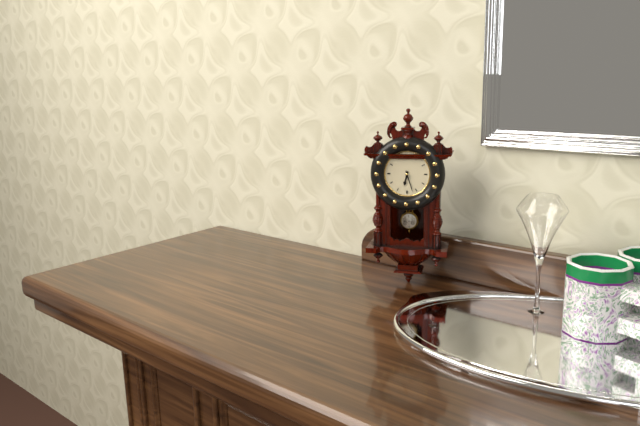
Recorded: h=6 m=27
